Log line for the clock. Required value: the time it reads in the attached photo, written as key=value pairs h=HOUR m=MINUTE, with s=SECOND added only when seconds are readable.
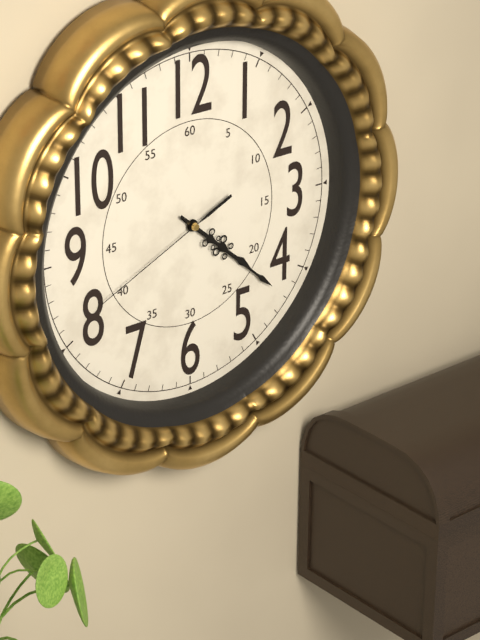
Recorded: h=4 m=22 s=41
